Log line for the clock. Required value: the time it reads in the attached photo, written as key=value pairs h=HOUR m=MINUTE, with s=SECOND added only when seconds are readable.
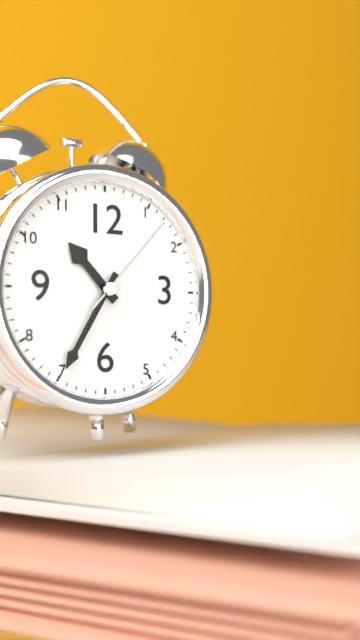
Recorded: h=10 m=35 s=7
